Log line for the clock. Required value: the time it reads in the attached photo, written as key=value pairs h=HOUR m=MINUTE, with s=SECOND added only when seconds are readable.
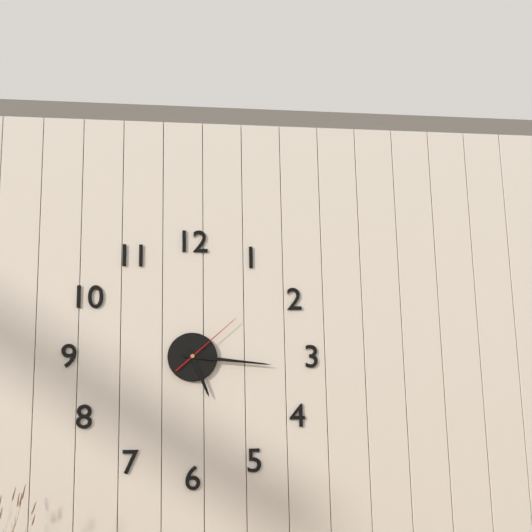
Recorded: h=5 m=16 s=8
